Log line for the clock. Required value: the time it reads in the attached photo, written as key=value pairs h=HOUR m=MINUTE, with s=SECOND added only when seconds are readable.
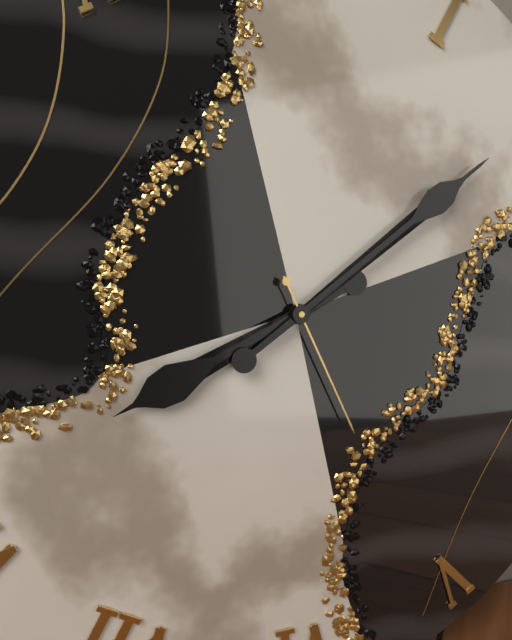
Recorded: h=8 m=9 s=26
